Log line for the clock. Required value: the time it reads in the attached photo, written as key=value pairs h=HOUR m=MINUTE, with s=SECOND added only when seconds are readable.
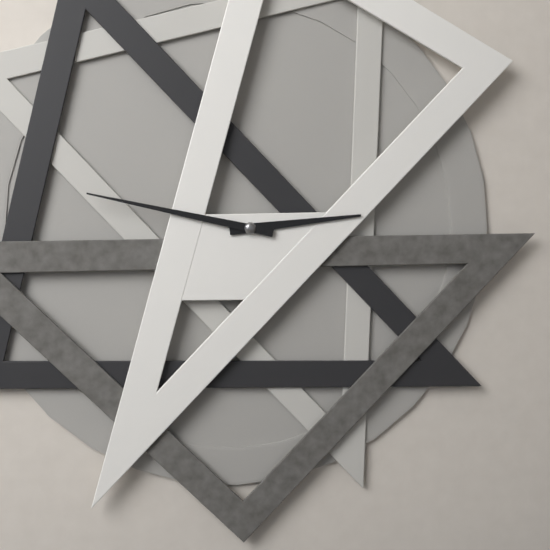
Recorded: h=2 m=47
